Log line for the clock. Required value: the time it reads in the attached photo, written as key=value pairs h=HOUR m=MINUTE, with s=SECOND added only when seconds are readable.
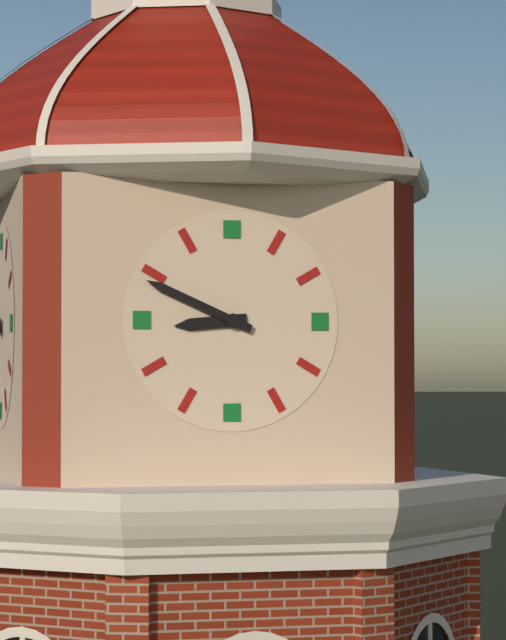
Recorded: h=8 m=49
